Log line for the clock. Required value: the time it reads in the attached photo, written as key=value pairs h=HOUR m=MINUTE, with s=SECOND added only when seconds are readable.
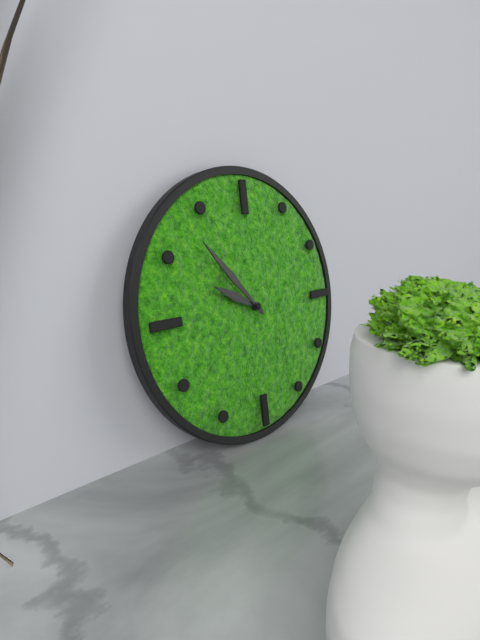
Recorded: h=9 m=53
